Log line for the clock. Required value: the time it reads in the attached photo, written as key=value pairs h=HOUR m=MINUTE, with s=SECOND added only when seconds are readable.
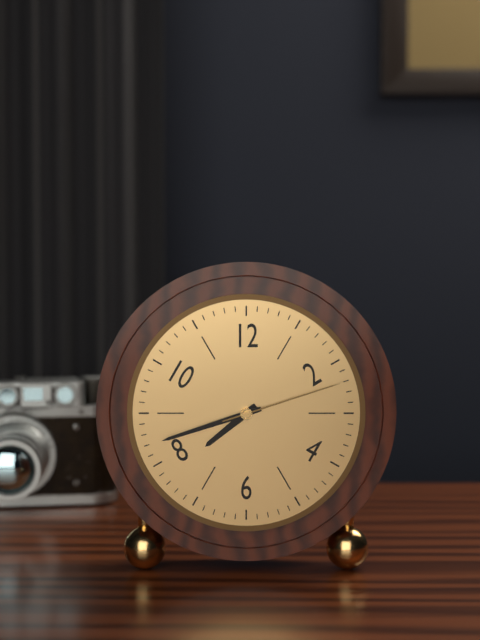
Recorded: h=7 m=42 s=12
